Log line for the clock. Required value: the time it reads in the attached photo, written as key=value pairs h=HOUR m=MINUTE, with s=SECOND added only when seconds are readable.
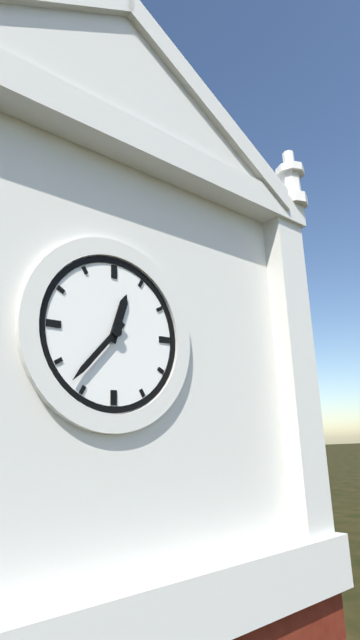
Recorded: h=12 m=37
